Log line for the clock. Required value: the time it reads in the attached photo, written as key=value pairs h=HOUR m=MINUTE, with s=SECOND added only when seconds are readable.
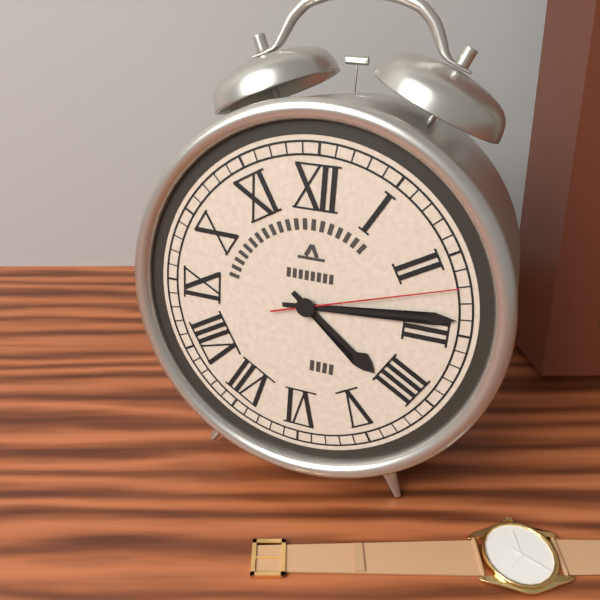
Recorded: h=4 m=14 s=12
